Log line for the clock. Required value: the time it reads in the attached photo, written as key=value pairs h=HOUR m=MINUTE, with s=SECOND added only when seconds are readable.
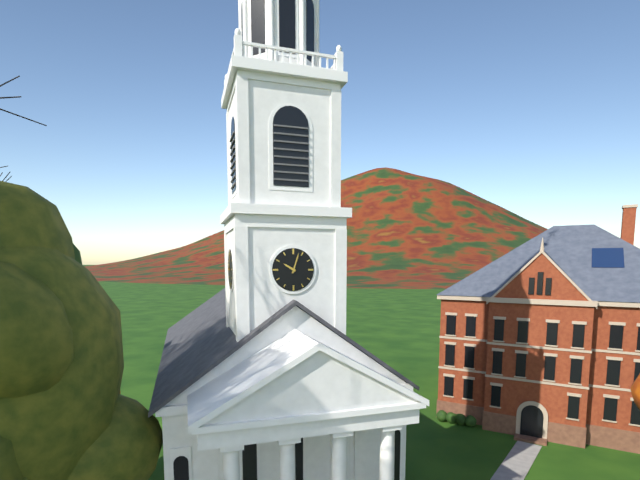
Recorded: h=10 m=3
